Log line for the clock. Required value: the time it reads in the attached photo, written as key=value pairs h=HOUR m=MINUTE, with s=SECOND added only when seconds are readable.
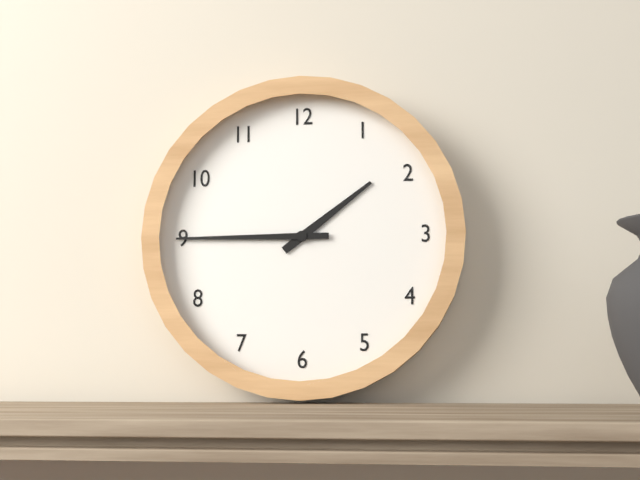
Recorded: h=1 m=45
